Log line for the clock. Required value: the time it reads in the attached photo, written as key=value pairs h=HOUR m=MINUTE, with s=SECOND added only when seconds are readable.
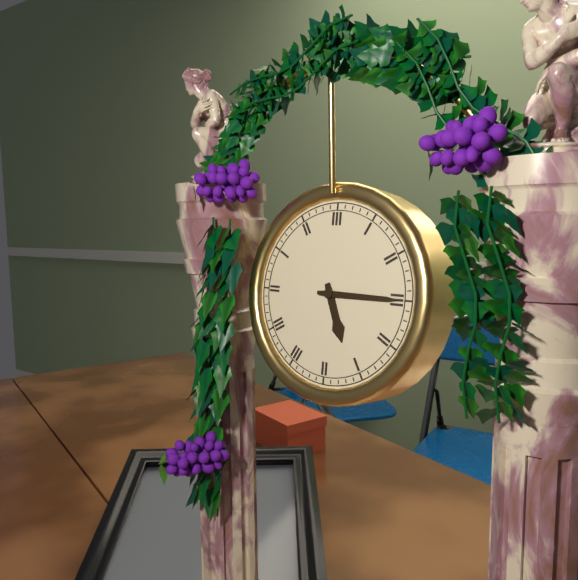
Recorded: h=5 m=15
